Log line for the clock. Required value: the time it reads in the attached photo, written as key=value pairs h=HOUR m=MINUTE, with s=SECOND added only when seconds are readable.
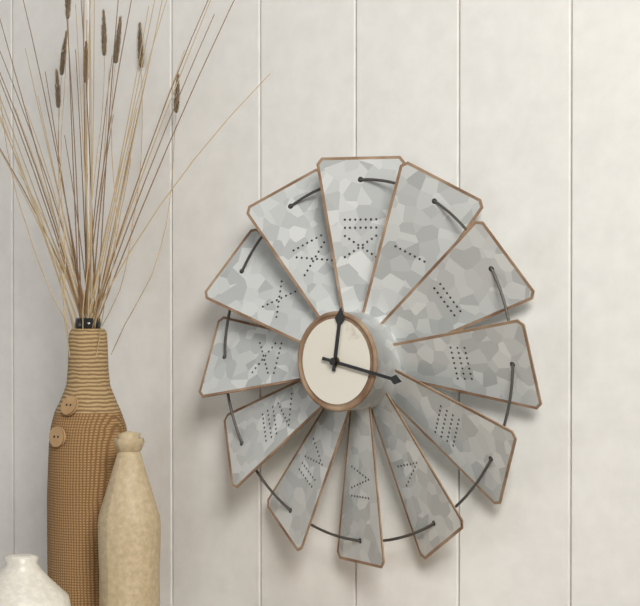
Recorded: h=12 m=17
